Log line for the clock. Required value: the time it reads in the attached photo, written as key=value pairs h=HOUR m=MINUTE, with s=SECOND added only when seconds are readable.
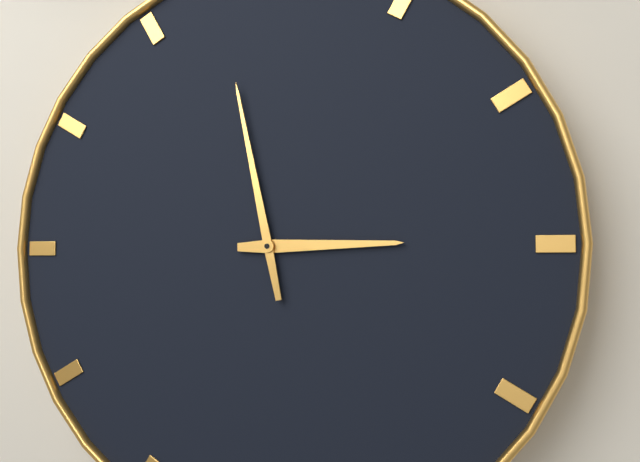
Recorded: h=2 m=58
